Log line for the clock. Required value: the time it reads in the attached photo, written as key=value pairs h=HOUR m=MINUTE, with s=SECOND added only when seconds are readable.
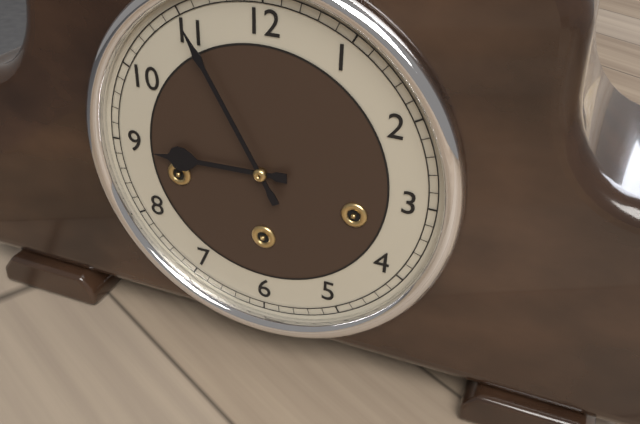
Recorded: h=8 m=55
